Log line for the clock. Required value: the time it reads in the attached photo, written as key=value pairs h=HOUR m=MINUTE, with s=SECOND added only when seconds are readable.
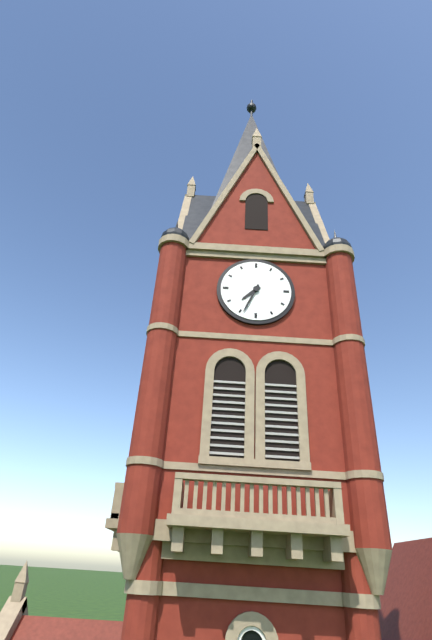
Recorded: h=7 m=34
